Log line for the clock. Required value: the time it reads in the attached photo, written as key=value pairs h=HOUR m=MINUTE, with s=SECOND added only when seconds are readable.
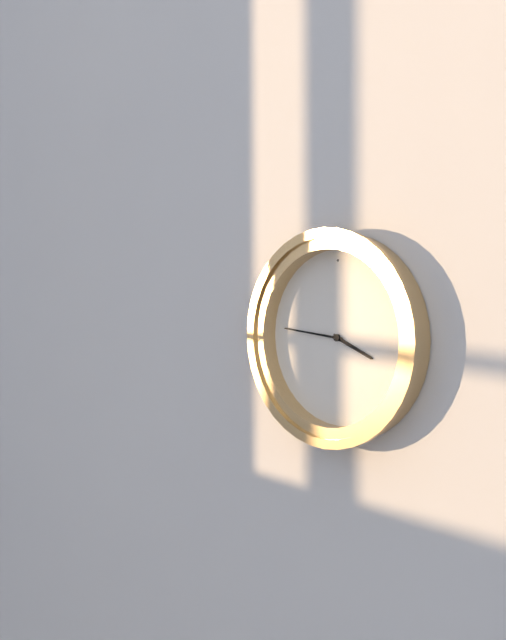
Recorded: h=3 m=46
